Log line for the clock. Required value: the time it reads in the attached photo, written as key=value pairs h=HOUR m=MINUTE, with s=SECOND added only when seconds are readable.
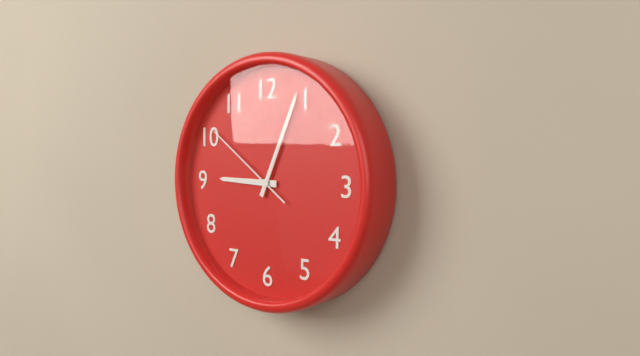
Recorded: h=9 m=4 s=51
